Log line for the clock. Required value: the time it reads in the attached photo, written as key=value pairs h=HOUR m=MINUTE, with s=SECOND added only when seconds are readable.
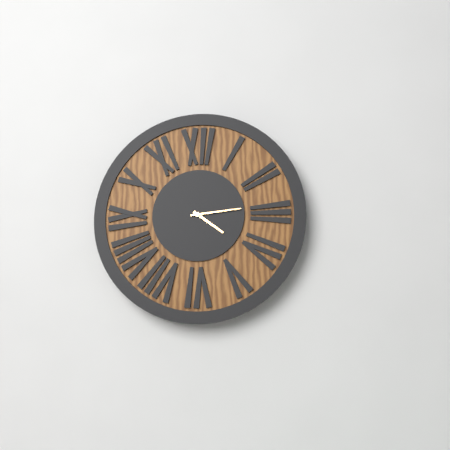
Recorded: h=4 m=14
